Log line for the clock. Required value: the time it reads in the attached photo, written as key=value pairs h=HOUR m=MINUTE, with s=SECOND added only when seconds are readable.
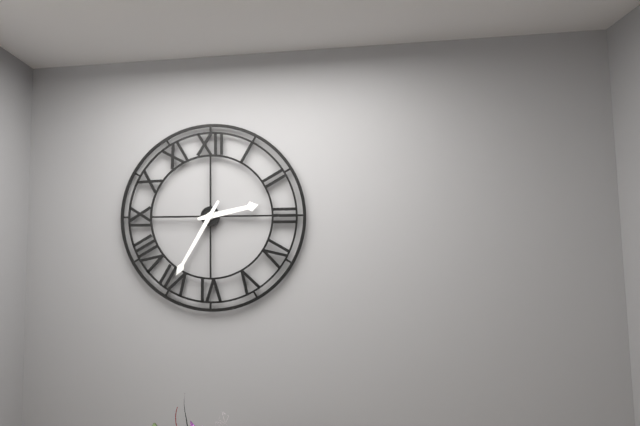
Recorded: h=2 m=35
